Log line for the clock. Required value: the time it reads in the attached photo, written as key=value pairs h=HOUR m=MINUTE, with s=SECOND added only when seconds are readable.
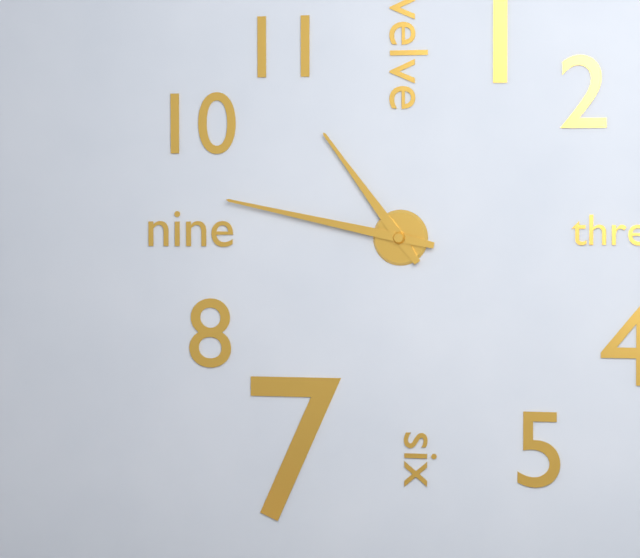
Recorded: h=10 m=47
